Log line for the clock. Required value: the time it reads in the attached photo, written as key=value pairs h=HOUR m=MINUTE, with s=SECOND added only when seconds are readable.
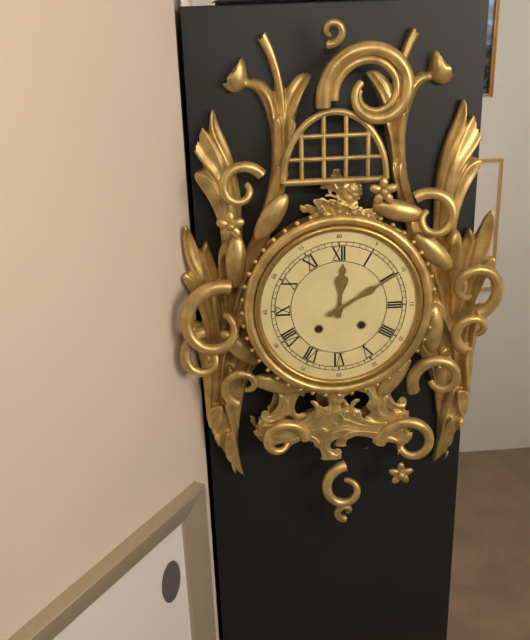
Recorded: h=12 m=10
